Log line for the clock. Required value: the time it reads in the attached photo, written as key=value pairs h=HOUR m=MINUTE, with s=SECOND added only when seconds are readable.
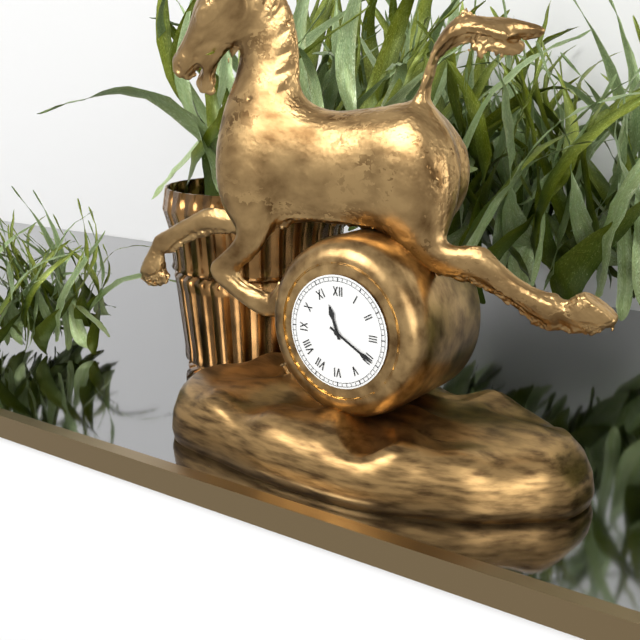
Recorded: h=11 m=20
